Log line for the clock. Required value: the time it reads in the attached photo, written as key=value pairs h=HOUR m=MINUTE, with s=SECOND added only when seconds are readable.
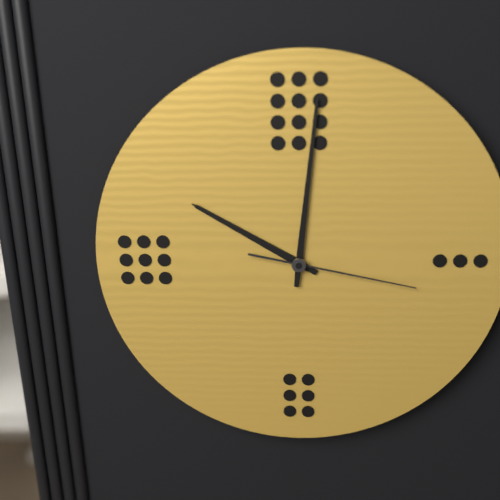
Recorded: h=10 m=1 s=17
